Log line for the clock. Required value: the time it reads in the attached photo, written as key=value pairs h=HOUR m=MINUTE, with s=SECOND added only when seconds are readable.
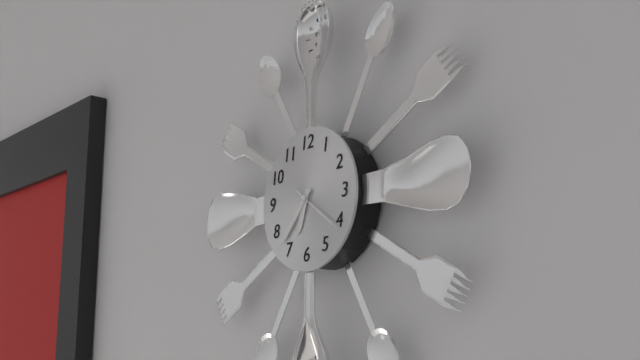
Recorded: h=6 m=37
